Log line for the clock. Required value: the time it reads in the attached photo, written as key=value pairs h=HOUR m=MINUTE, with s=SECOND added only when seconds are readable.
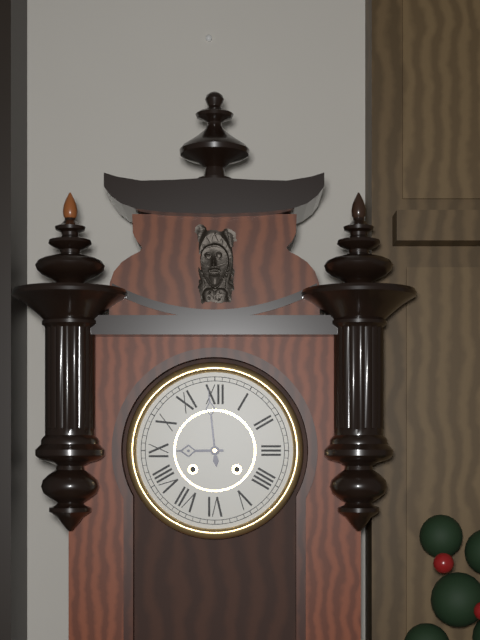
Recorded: h=8 m=59
